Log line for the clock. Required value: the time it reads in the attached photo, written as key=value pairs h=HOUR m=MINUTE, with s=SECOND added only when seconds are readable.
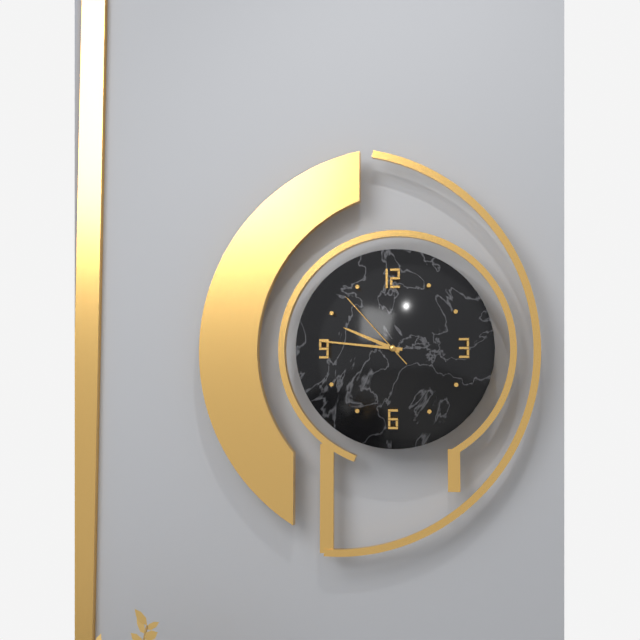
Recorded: h=9 m=46 s=53
